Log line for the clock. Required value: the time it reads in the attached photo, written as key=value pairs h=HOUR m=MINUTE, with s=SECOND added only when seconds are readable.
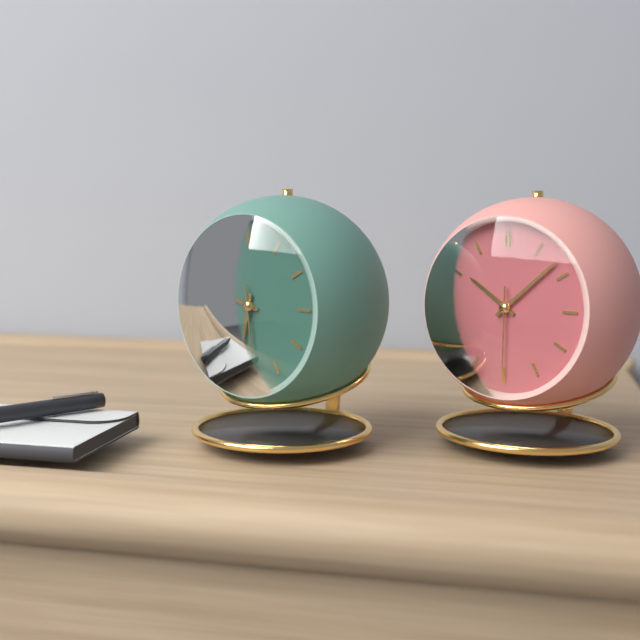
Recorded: h=9 m=32 s=29
